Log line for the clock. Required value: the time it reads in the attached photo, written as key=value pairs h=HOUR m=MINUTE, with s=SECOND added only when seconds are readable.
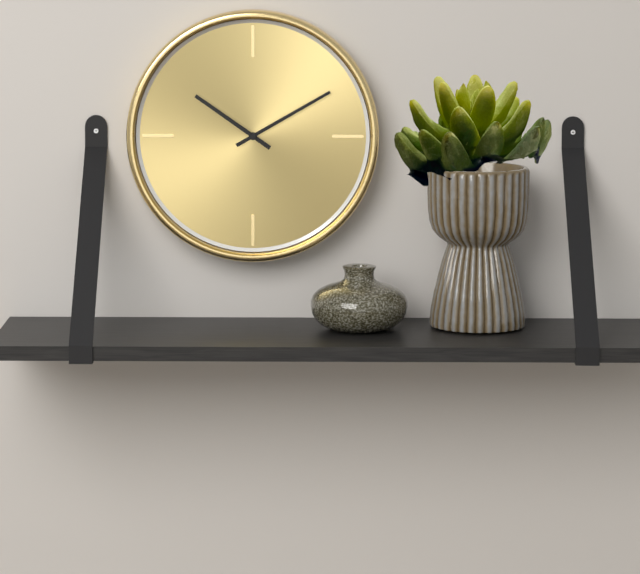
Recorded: h=10 m=10
